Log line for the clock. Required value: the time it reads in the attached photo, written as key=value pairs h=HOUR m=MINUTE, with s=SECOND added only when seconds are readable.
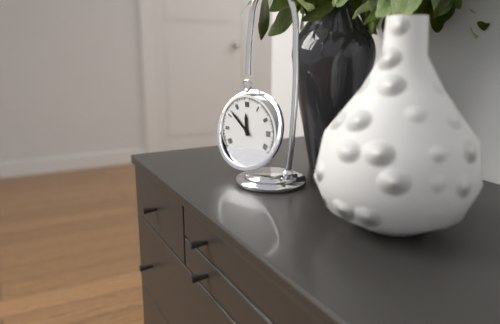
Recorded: h=11 m=52
